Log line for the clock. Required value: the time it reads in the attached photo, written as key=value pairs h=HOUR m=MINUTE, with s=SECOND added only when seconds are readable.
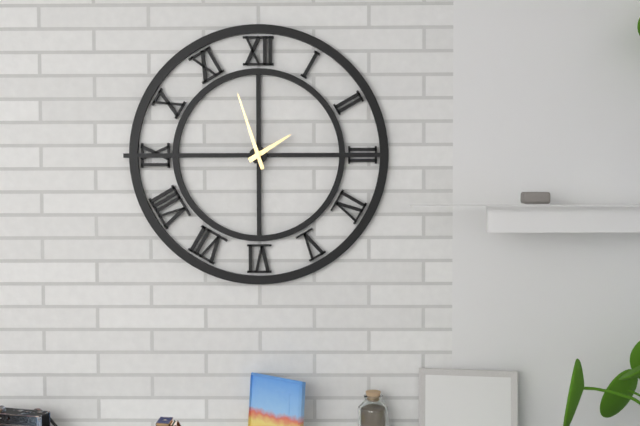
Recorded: h=1 m=57
